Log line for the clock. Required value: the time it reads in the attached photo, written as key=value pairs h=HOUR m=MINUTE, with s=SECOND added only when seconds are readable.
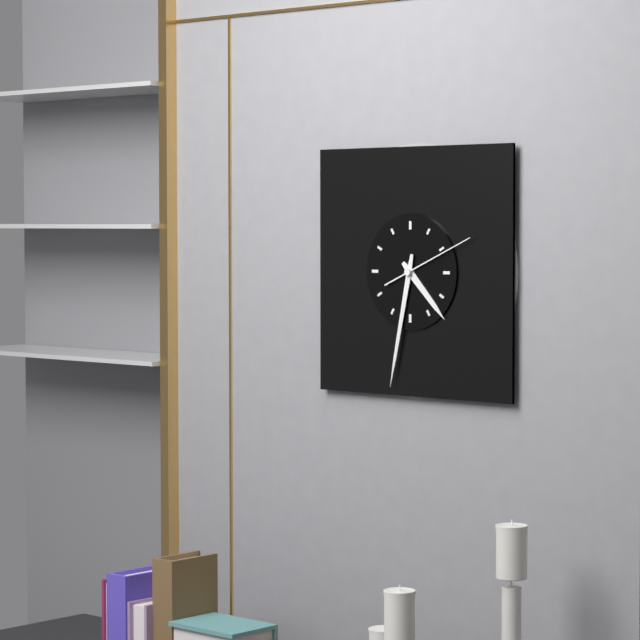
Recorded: h=4 m=32 s=11
